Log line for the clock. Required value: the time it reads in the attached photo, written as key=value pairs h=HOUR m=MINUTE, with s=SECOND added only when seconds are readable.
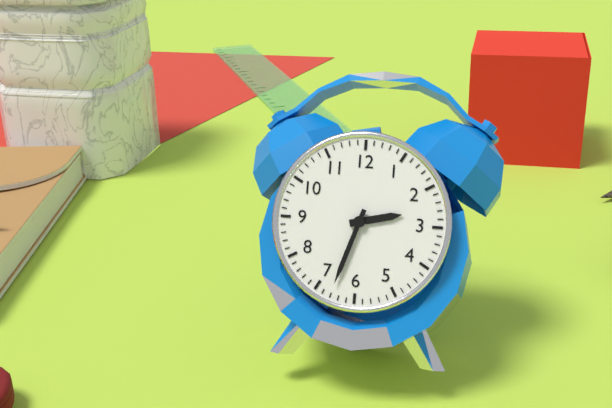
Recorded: h=2 m=33
